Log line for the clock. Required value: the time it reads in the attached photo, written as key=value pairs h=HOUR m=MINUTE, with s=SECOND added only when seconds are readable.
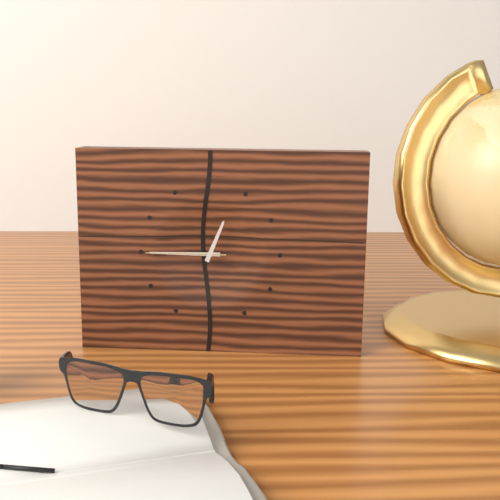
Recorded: h=12 m=45 s=45
